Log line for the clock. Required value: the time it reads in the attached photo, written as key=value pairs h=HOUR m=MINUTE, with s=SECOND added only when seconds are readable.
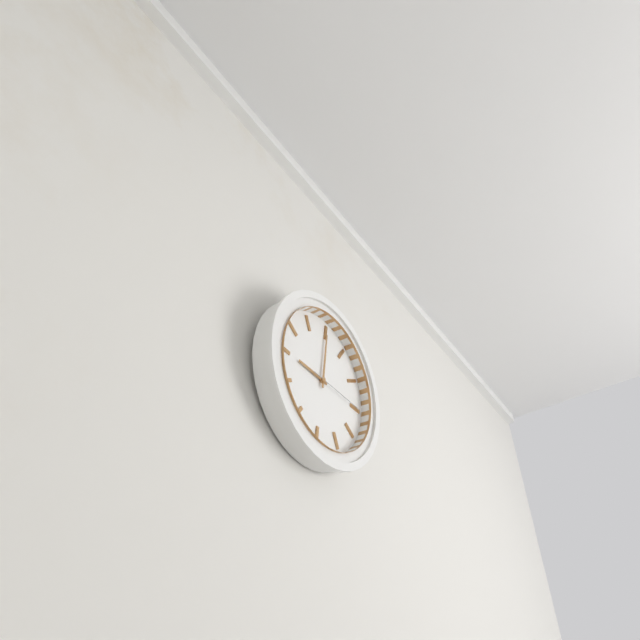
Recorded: h=9 m=0 s=15
